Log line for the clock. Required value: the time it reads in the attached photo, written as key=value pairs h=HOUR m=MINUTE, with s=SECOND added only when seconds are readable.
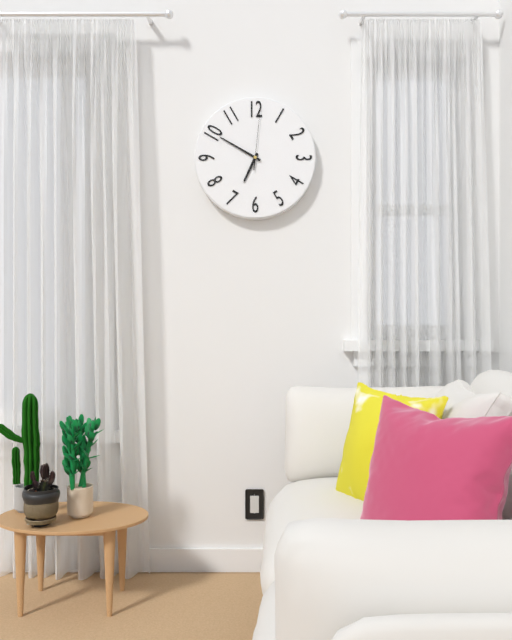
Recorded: h=6 m=50 s=1
